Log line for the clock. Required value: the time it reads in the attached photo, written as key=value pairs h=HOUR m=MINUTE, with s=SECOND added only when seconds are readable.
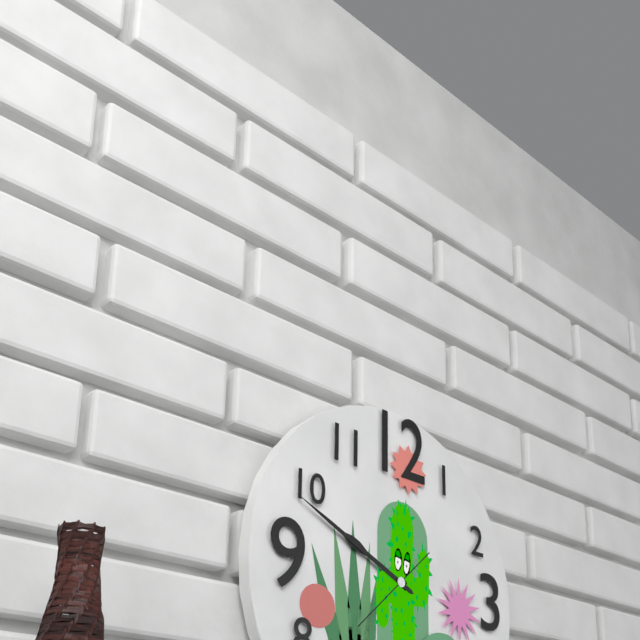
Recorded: h=9 m=49 s=38
